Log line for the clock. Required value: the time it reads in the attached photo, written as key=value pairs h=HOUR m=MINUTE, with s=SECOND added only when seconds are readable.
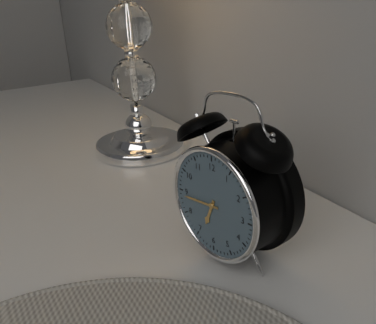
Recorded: h=6 m=44
